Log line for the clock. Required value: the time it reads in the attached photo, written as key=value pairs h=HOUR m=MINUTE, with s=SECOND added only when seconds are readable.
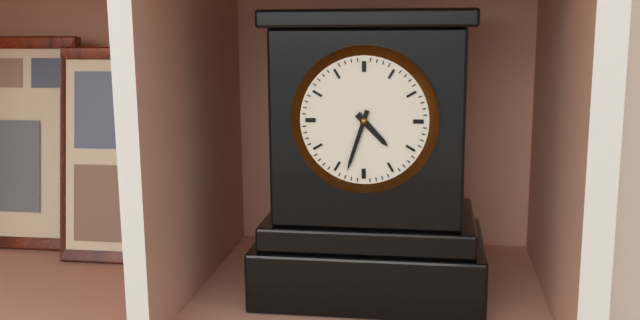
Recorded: h=4 m=33
